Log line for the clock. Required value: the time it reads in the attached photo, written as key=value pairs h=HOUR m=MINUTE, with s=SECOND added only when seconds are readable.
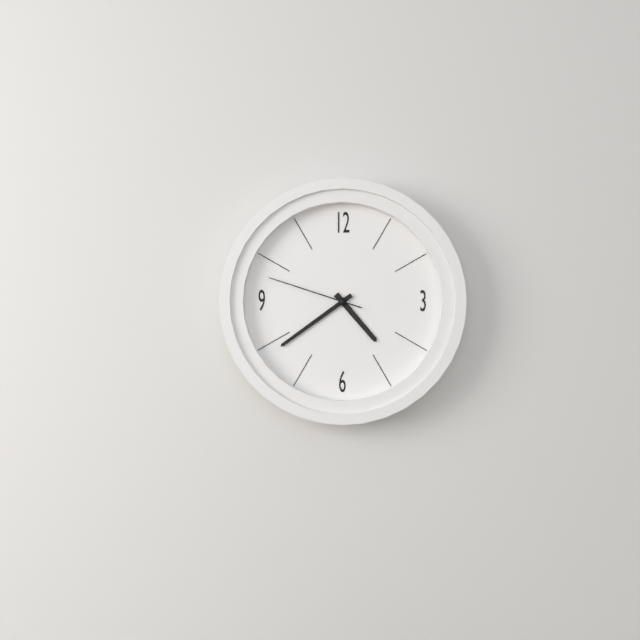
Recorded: h=4 m=39 s=48
